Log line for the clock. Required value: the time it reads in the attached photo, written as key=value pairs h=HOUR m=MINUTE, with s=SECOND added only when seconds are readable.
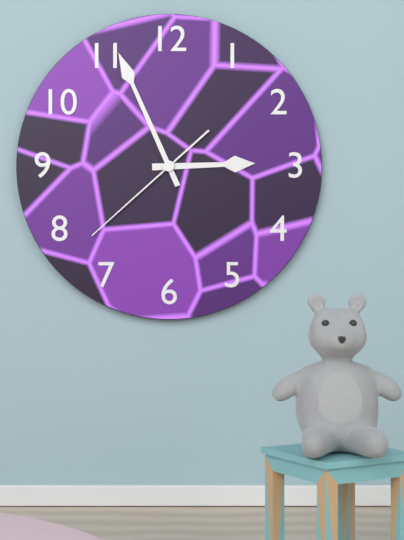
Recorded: h=2 m=56 s=38
